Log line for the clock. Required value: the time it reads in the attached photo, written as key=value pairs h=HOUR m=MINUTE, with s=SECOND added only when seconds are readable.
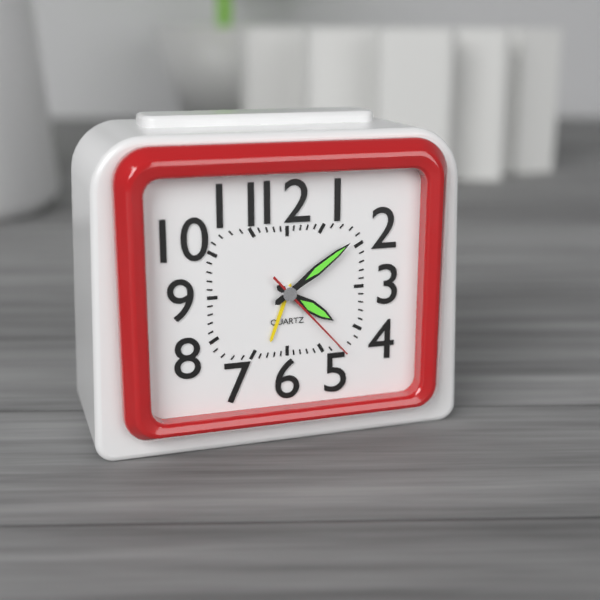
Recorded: h=4 m=9 s=23
